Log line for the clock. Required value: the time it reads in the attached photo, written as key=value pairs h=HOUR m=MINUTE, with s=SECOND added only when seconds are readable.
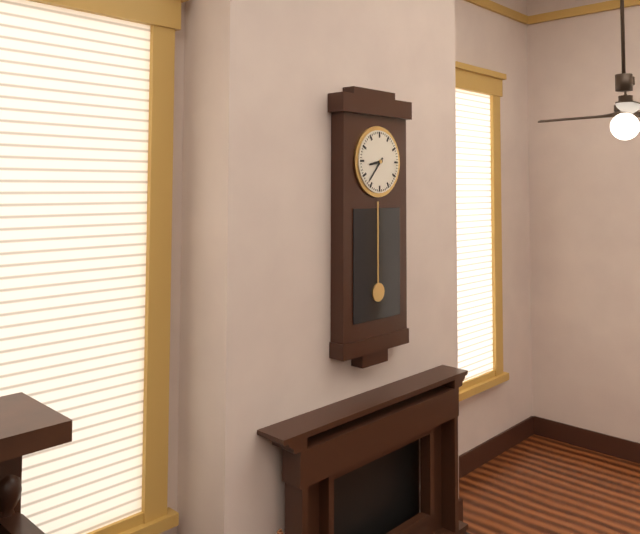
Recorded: h=8 m=37
